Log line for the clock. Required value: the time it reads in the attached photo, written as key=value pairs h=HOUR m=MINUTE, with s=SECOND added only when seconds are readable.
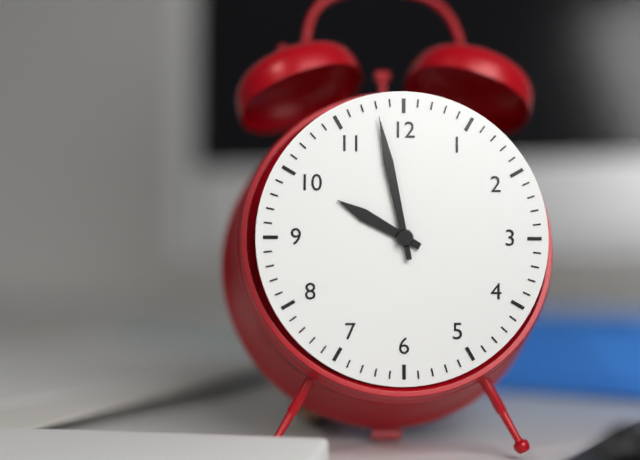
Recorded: h=9 m=58
